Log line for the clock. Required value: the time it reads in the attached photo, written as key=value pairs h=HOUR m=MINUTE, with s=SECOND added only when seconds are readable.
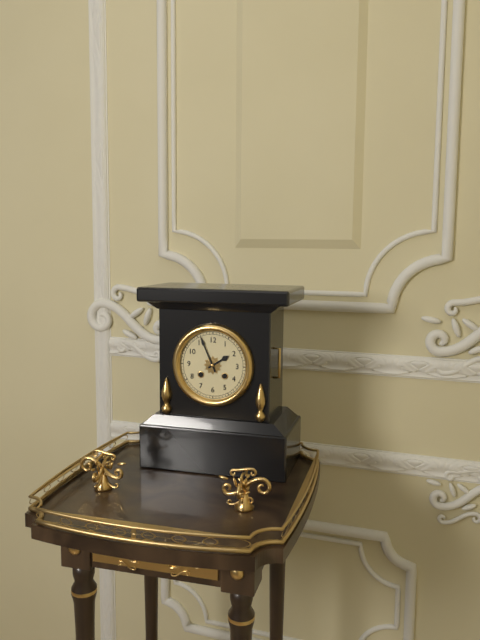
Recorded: h=1 m=56
